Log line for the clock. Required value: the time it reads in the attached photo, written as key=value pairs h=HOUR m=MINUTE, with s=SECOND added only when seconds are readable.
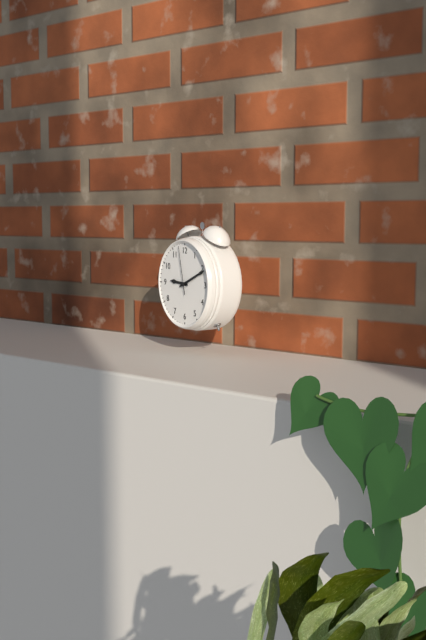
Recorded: h=9 m=11
